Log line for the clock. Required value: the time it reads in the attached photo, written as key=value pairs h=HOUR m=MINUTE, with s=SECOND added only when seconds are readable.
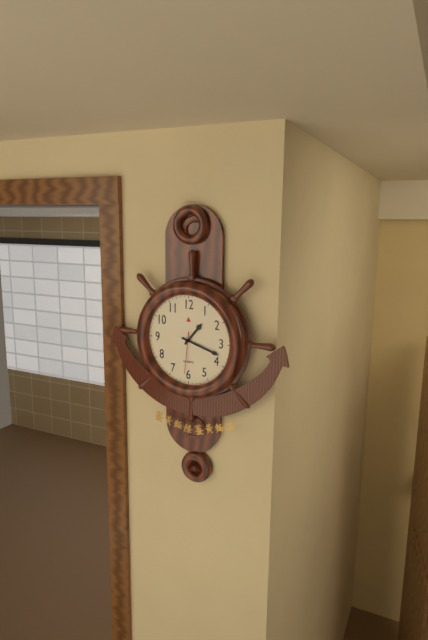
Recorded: h=1 m=18
